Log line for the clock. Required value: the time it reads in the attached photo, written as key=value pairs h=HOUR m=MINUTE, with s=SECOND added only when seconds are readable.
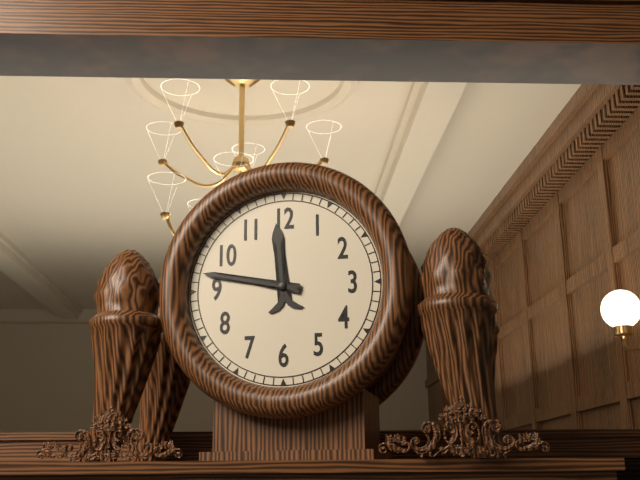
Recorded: h=11 m=47
